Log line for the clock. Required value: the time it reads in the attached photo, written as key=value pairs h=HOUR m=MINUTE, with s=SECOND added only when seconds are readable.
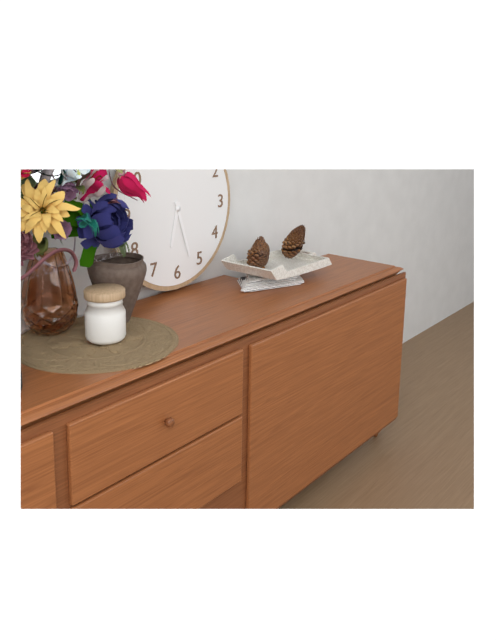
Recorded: h=6 m=27
